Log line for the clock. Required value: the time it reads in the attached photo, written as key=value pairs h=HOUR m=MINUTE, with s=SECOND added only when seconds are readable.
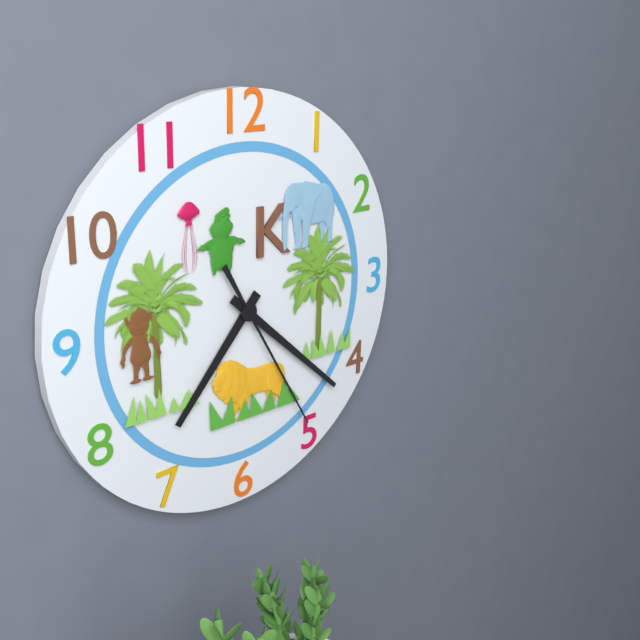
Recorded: h=7 m=22 s=25
